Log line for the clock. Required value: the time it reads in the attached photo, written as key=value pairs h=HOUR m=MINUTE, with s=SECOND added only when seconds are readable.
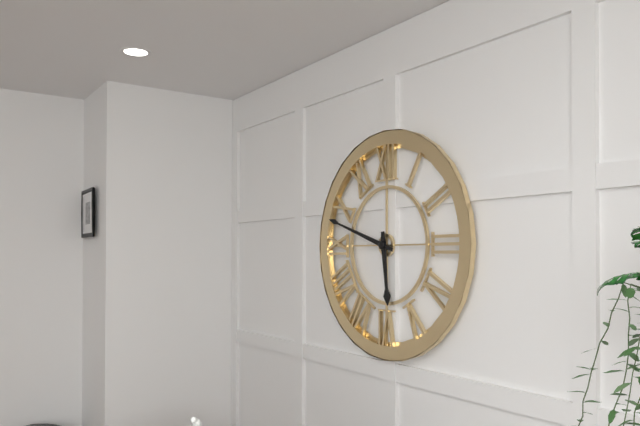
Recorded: h=5 m=48
